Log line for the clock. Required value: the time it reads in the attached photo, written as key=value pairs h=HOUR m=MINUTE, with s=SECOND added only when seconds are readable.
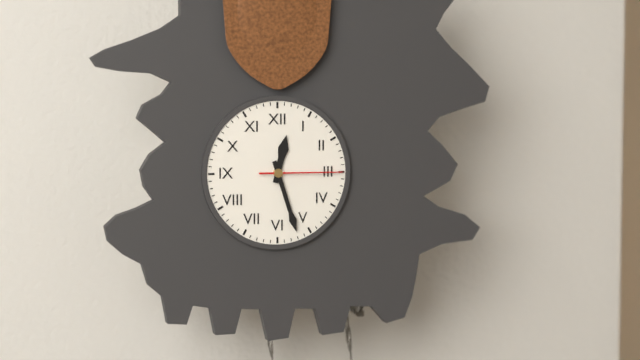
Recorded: h=12 m=27 s=15
